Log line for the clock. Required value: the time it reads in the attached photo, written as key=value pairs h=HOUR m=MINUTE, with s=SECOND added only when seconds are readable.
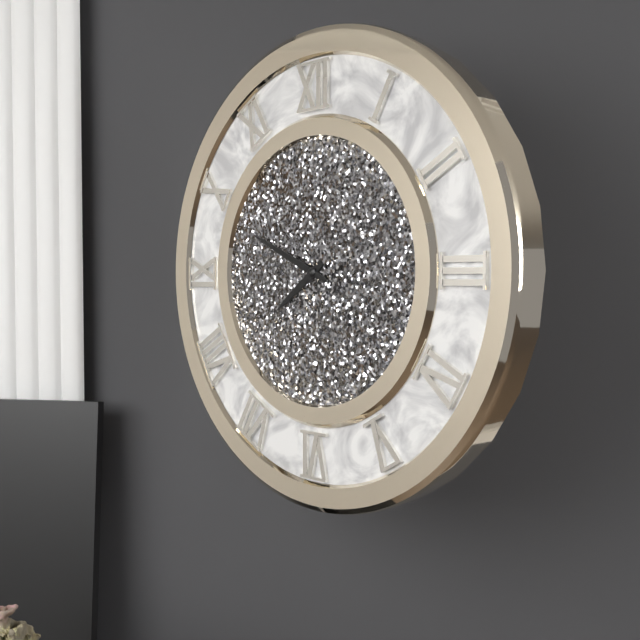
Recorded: h=7 m=49
